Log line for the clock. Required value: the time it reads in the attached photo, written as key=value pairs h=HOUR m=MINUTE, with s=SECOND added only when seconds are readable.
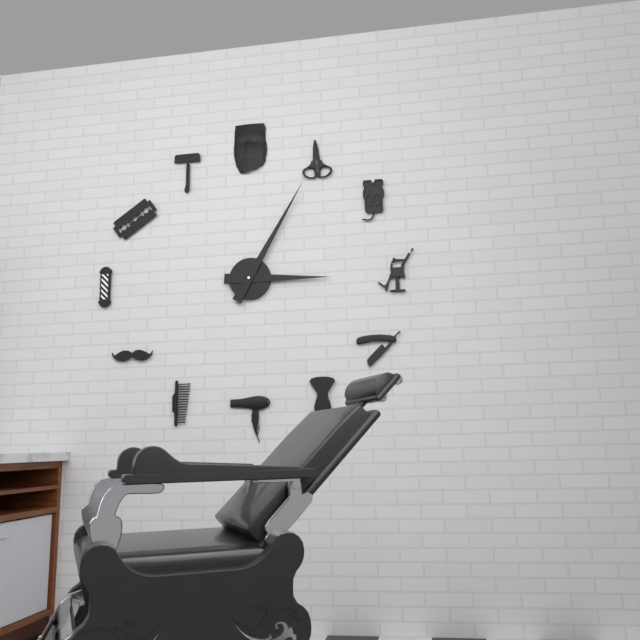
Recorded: h=3 m=5
